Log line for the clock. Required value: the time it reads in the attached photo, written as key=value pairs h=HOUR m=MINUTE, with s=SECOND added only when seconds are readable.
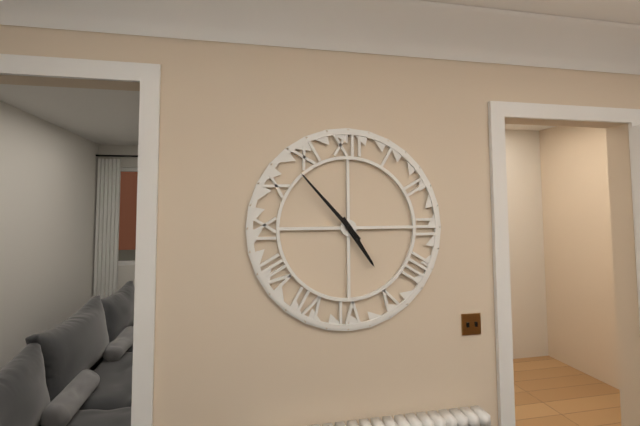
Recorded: h=4 m=53
